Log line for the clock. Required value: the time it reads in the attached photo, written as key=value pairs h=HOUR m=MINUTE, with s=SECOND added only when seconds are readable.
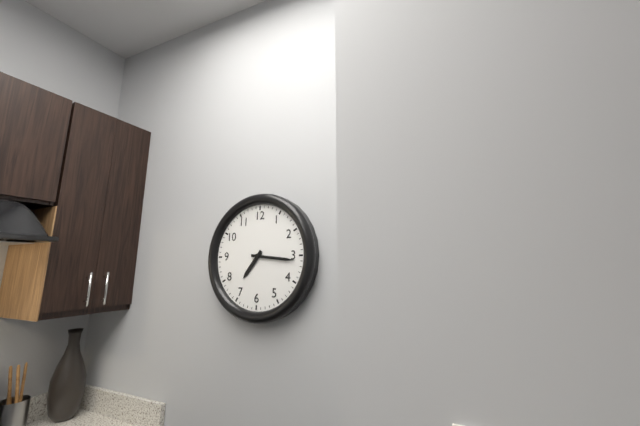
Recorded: h=7 m=16
